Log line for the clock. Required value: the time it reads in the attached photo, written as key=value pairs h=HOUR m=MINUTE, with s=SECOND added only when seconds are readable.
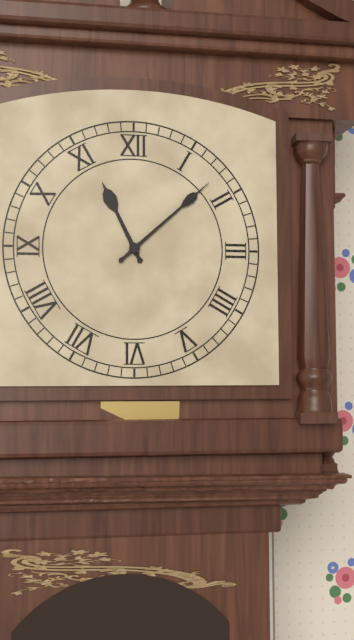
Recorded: h=11 m=8
